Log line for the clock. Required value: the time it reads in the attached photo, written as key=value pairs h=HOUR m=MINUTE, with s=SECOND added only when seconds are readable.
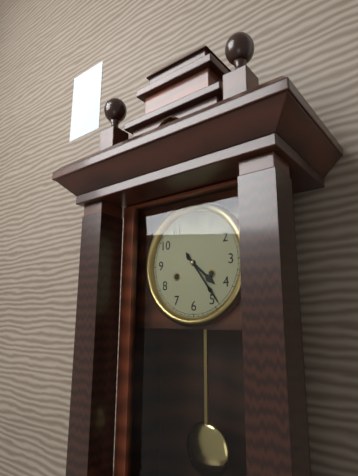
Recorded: h=4 m=24
